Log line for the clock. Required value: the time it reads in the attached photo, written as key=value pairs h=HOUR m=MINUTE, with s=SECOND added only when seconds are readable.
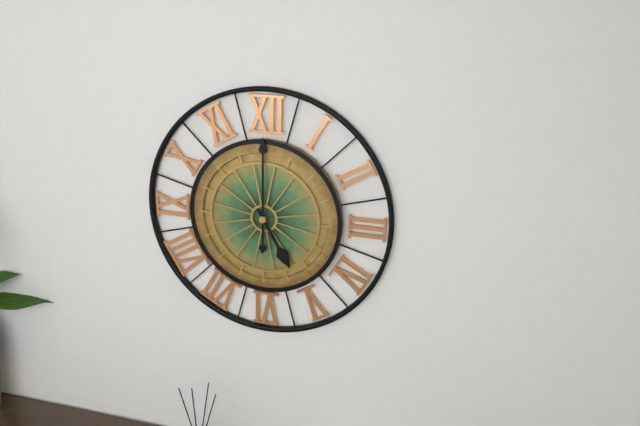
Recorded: h=5 m=0
